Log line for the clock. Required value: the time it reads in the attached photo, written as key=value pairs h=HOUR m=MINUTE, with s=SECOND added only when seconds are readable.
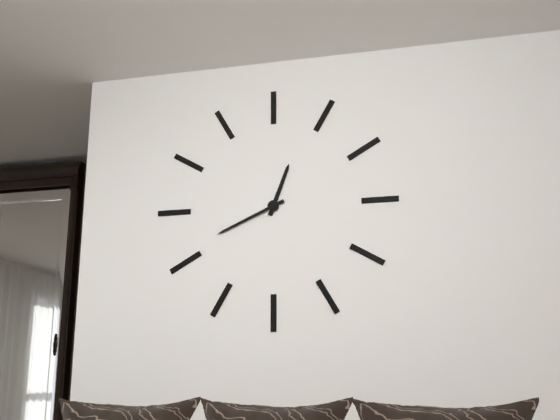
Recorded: h=12 m=41
